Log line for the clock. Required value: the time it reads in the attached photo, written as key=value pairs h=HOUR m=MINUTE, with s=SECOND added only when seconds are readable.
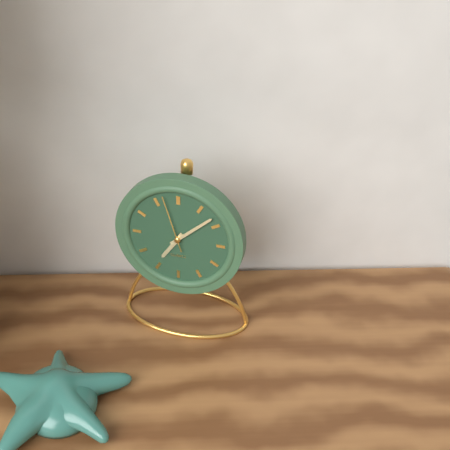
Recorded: h=7 m=8 s=57
